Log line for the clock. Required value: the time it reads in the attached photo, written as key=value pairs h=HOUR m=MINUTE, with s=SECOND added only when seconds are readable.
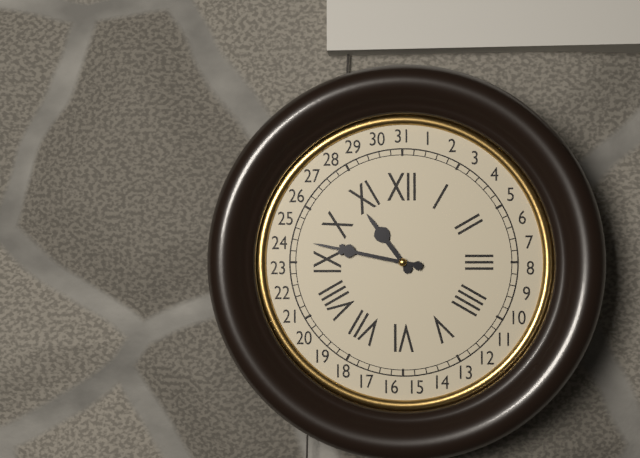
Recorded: h=10 m=47
